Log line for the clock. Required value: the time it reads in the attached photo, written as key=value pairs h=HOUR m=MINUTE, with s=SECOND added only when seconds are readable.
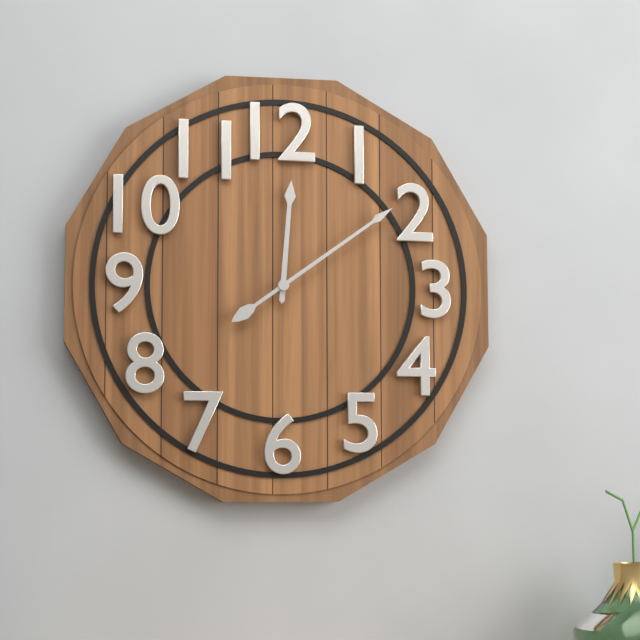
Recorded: h=12 m=9
